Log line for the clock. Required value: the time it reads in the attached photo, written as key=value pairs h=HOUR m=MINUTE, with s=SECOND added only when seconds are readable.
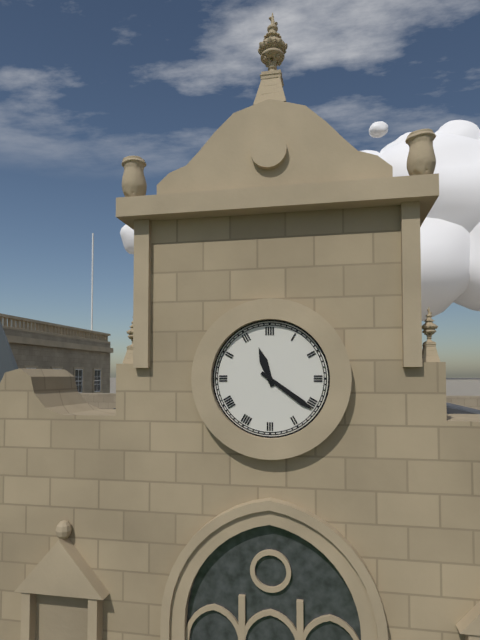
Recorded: h=11 m=21
